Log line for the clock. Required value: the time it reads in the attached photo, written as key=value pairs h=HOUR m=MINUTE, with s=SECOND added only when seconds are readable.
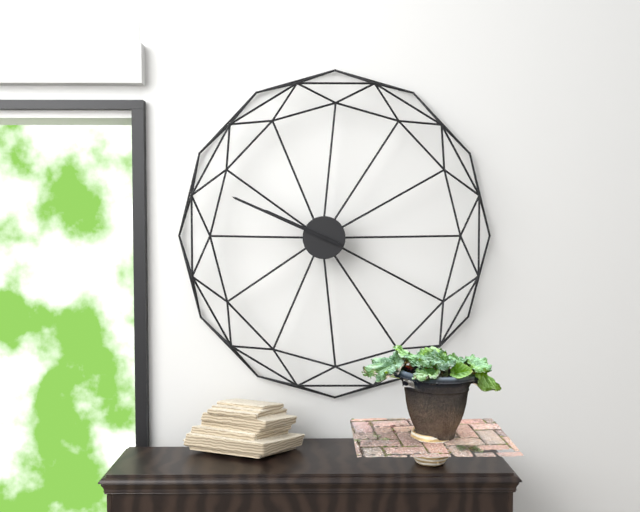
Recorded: h=9 m=49
